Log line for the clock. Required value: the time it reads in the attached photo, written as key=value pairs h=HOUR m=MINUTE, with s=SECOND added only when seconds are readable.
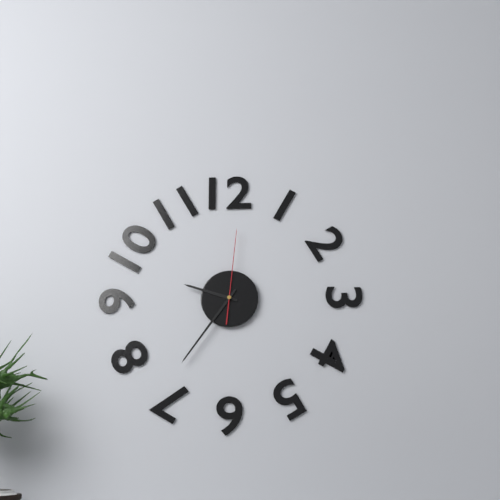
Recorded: h=9 m=36 s=1
